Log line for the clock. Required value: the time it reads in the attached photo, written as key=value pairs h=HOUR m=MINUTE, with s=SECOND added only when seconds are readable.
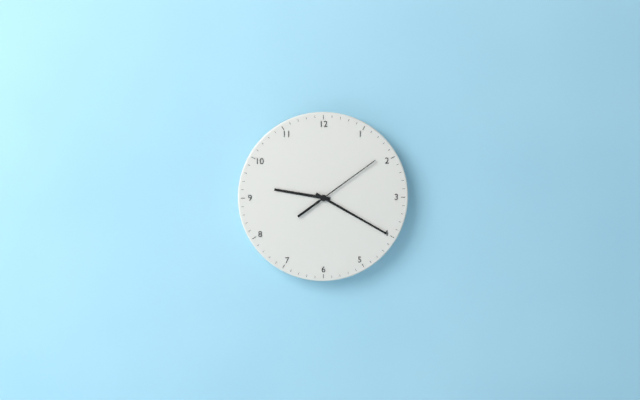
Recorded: h=9 m=20 s=9
